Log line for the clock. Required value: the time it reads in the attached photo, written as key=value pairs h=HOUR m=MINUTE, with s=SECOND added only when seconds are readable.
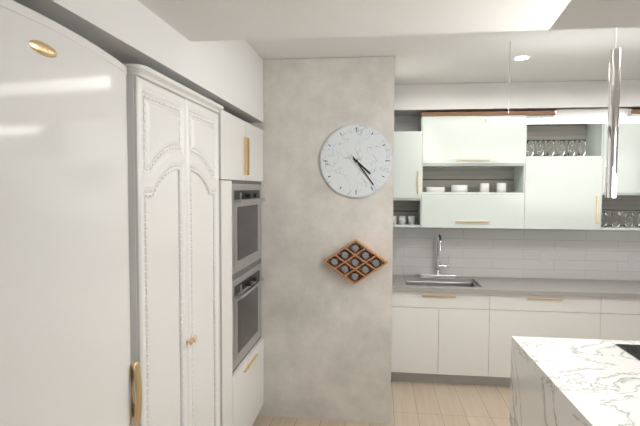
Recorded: h=4 m=24
